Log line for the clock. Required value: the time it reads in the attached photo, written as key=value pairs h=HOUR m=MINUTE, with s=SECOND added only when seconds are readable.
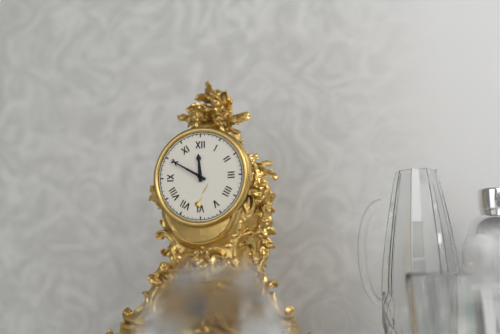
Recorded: h=11 m=50
